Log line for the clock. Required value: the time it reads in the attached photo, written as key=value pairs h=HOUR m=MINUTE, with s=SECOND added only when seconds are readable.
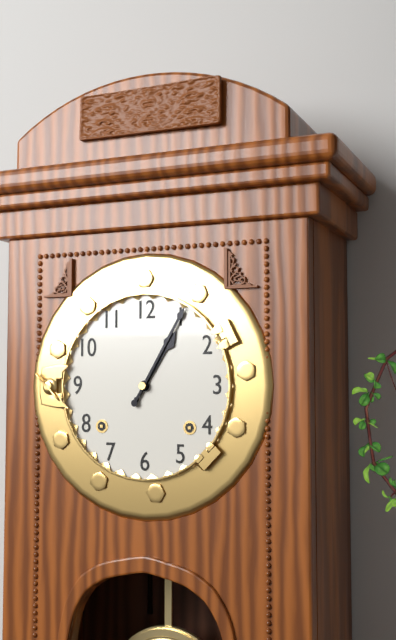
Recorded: h=1 m=5
